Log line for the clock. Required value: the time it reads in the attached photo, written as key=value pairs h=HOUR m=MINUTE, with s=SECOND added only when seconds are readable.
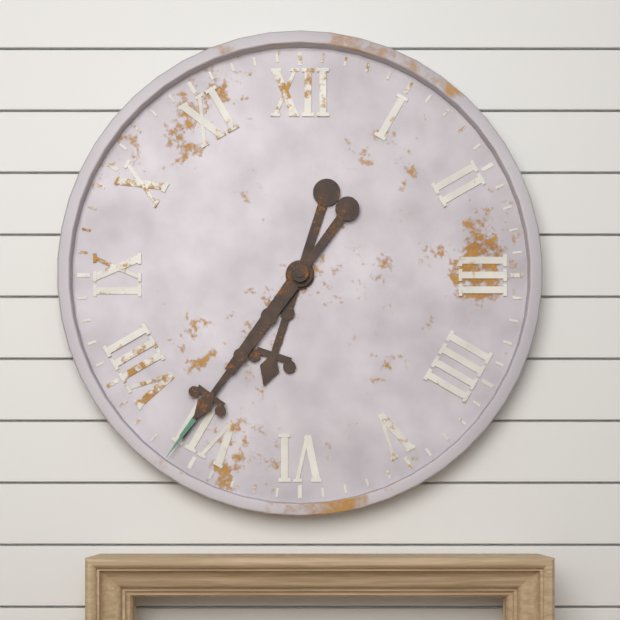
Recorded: h=6 m=36
